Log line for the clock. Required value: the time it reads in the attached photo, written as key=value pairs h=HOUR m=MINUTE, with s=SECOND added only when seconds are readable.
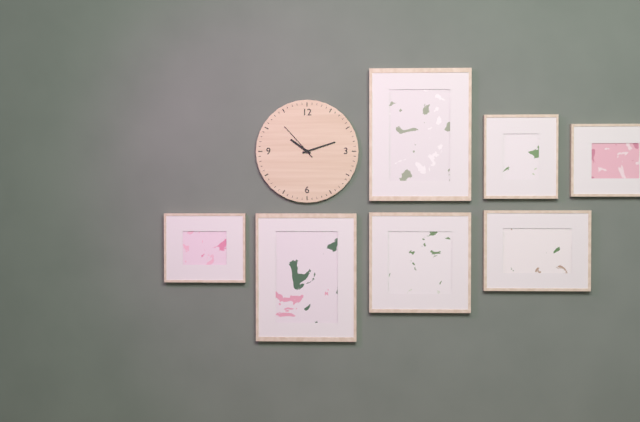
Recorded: h=10 m=12
